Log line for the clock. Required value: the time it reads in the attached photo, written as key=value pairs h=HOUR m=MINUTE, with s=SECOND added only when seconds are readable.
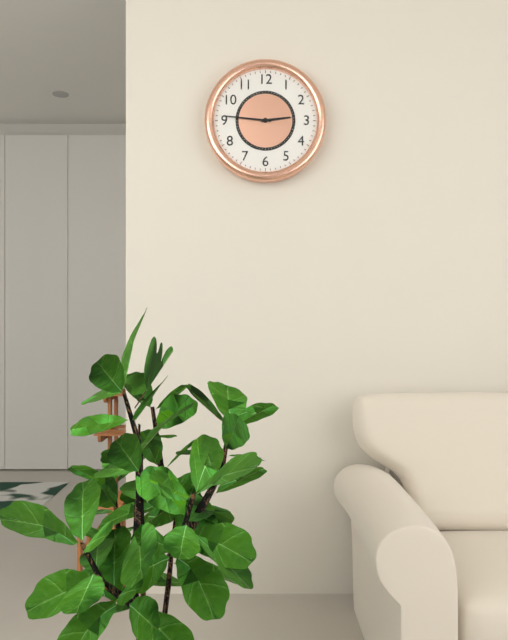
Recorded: h=2 m=46
